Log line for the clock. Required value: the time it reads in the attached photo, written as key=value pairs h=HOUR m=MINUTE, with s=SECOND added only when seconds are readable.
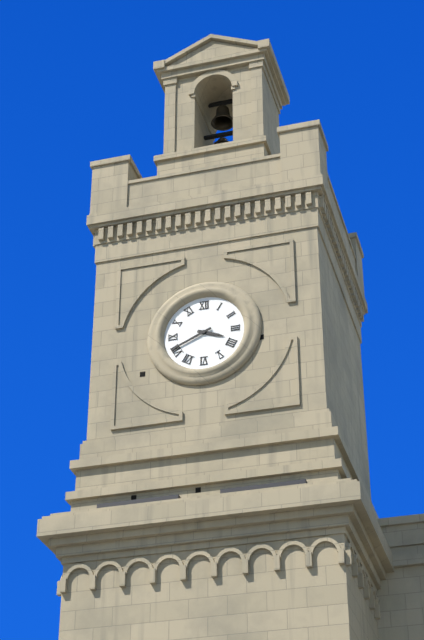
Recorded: h=3 m=41
